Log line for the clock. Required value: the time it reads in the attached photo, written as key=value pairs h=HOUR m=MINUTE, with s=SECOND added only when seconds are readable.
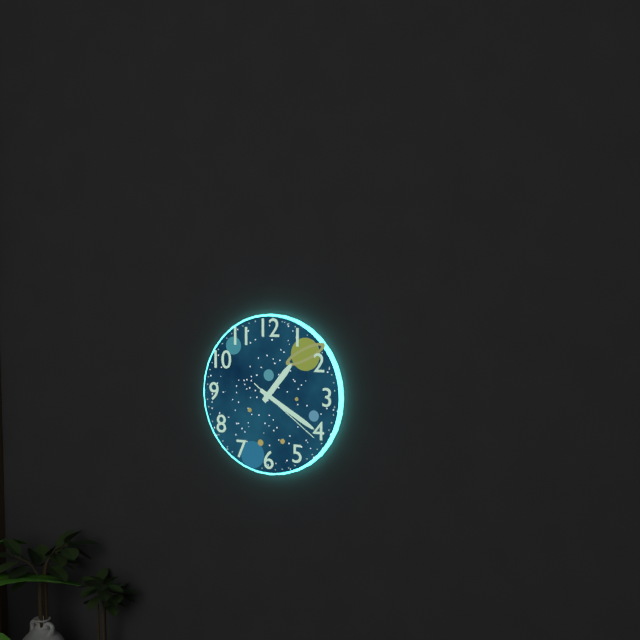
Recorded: h=1 m=20 s=21
